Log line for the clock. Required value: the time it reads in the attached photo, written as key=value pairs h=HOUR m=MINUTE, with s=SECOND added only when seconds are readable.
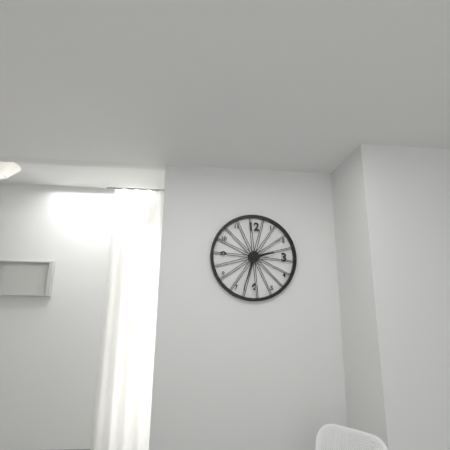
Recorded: h=2 m=33
